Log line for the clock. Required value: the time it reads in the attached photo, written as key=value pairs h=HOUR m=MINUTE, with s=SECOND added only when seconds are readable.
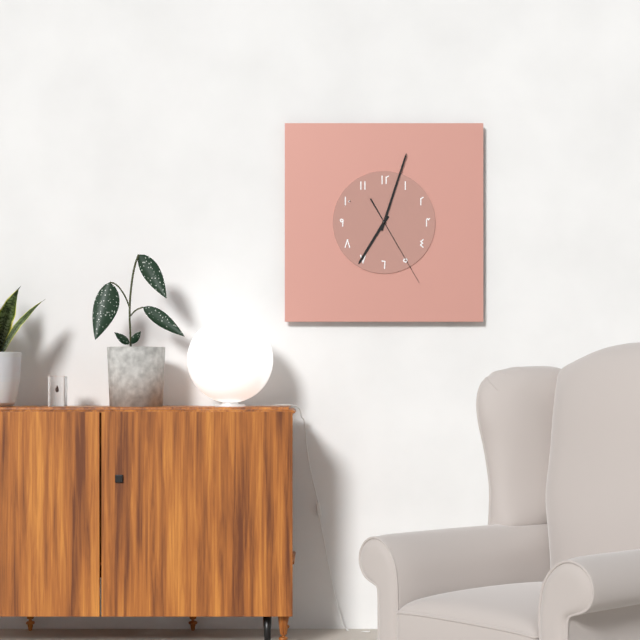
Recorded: h=7 m=3 s=25
